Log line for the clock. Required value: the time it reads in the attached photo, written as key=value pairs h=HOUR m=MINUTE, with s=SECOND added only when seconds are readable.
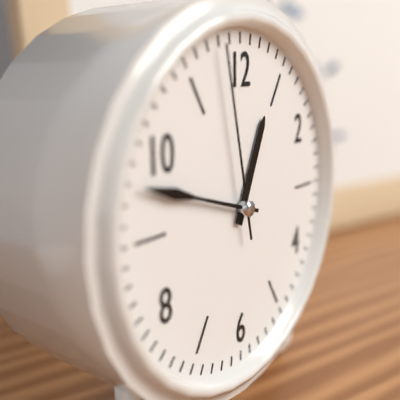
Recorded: h=12 m=48 s=58
